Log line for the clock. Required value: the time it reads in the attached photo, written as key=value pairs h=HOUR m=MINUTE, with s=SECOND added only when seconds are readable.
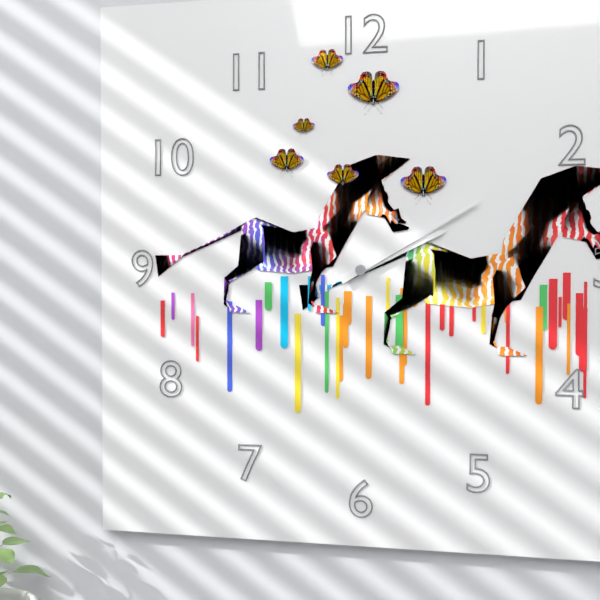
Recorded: h=2 m=10
